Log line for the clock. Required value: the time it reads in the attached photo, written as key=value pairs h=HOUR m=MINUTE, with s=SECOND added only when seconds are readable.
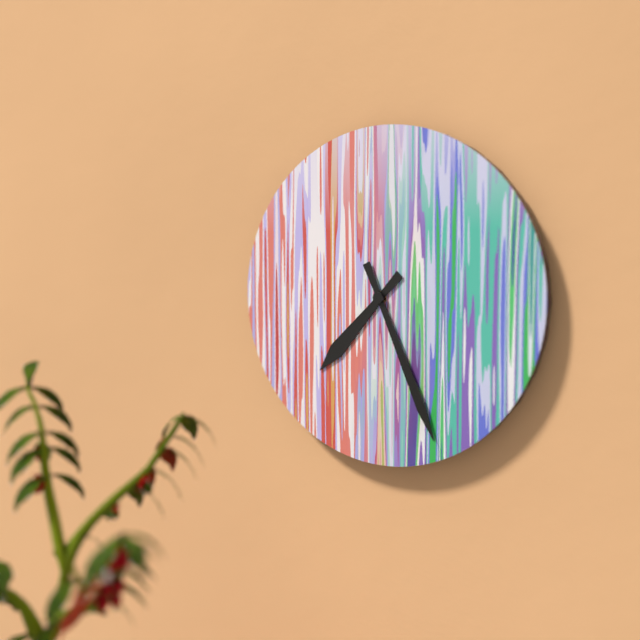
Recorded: h=7 m=26
